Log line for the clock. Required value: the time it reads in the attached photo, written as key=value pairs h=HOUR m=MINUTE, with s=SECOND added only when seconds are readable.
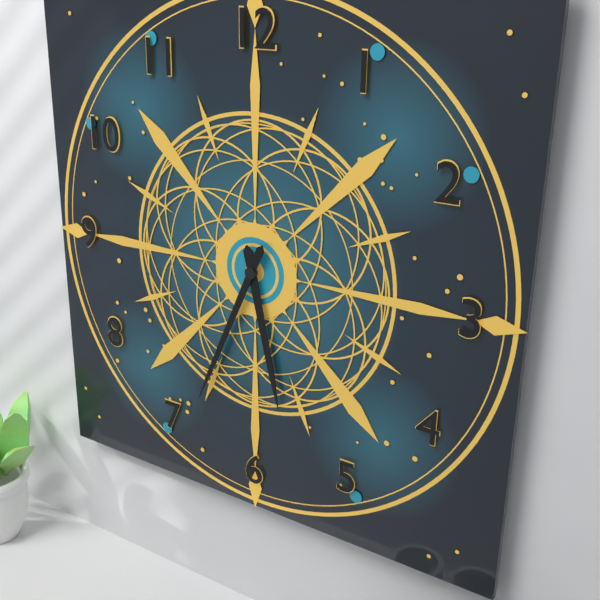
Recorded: h=5 m=34
